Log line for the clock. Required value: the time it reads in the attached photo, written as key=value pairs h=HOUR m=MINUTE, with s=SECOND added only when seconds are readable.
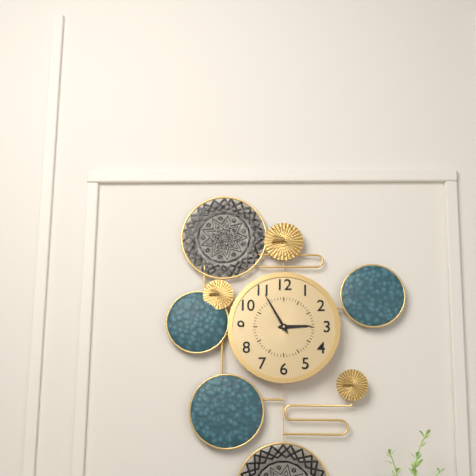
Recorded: h=2 m=55
